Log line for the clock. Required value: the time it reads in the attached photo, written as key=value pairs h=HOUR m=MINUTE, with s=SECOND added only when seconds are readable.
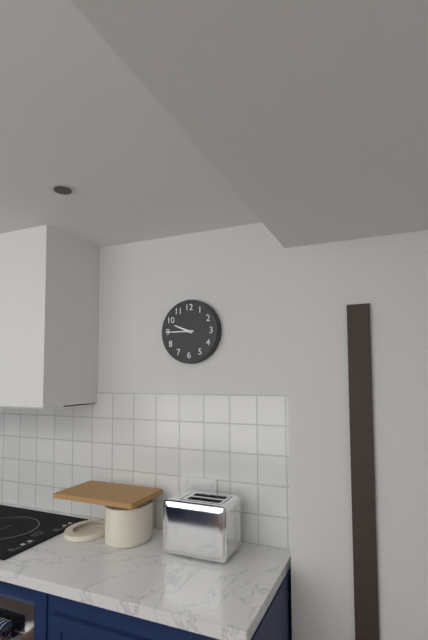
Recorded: h=9 m=45
